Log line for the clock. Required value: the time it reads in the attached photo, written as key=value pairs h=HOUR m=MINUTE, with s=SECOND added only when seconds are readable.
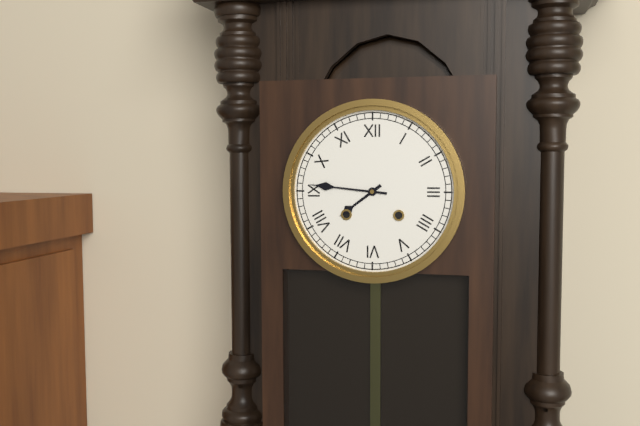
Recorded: h=7 m=46
